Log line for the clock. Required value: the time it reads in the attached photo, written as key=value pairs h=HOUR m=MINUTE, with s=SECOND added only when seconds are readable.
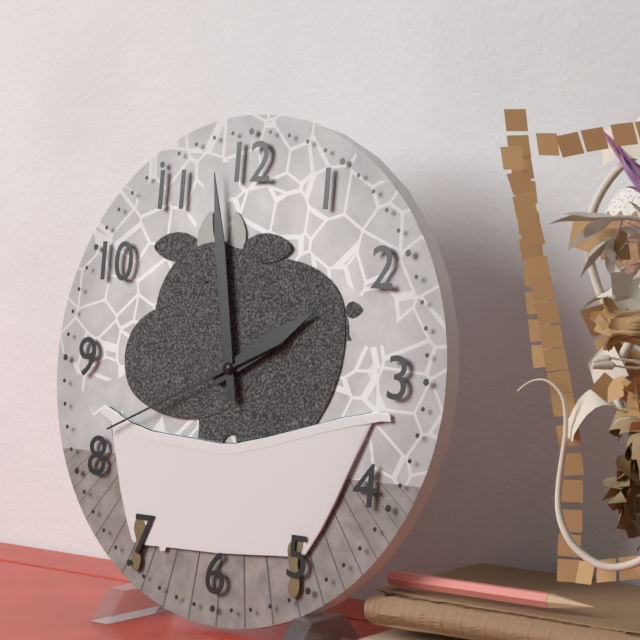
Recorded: h=1 m=58 s=41
